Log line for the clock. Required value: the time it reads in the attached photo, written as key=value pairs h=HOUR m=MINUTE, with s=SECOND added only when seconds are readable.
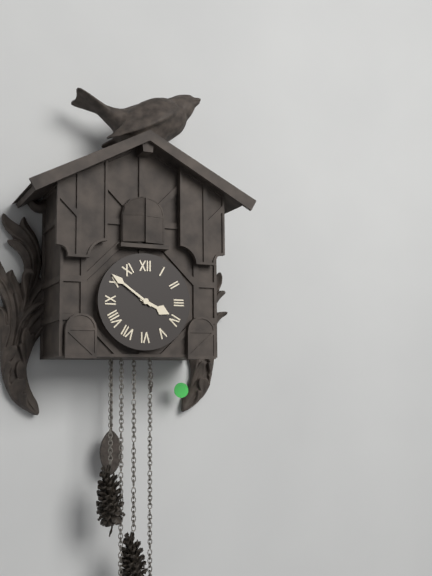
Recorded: h=3 m=51
